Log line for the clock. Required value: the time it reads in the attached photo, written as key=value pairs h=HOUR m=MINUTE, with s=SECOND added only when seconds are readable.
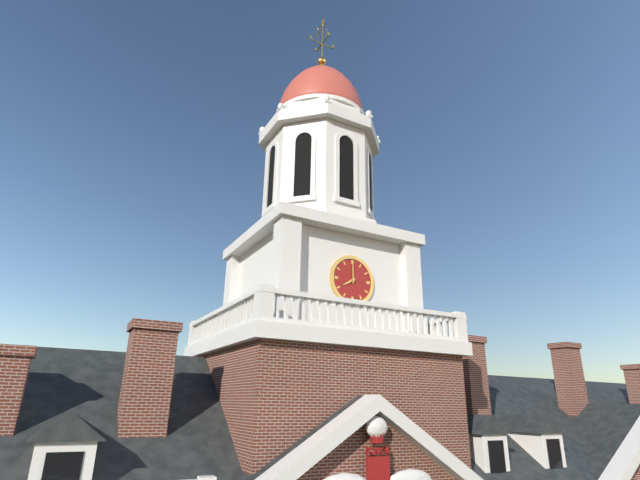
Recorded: h=8 m=0
